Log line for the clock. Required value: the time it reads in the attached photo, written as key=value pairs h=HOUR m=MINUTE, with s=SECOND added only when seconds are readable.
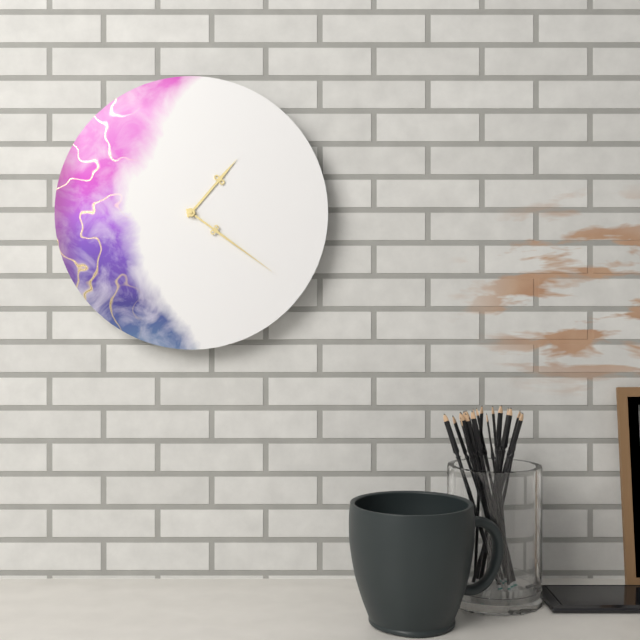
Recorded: h=1 m=21
